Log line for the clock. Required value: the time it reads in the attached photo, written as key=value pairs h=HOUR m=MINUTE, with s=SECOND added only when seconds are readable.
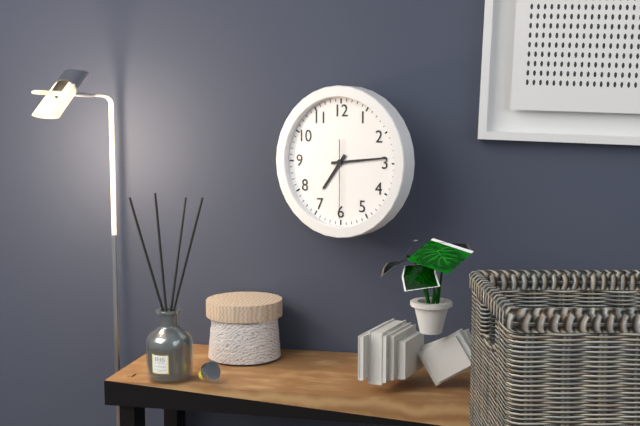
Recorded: h=7 m=14 s=30
